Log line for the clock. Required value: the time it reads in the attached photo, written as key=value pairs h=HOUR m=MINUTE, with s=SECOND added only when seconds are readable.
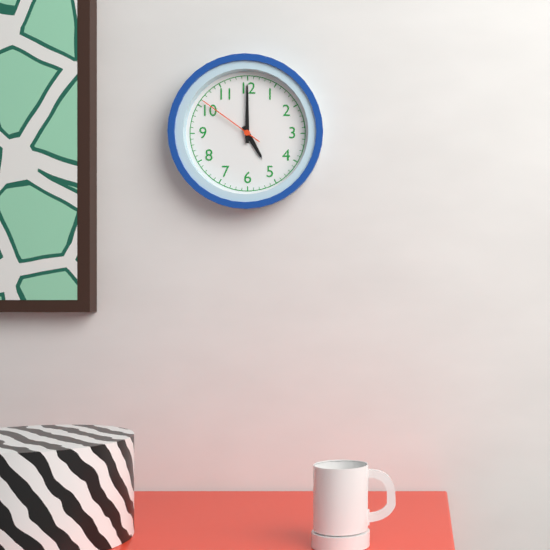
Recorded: h=5 m=0 s=51
